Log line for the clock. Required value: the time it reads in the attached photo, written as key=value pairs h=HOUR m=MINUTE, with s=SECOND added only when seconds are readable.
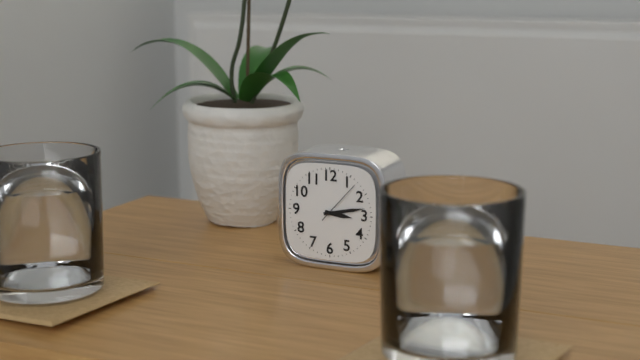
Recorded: h=3 m=13
